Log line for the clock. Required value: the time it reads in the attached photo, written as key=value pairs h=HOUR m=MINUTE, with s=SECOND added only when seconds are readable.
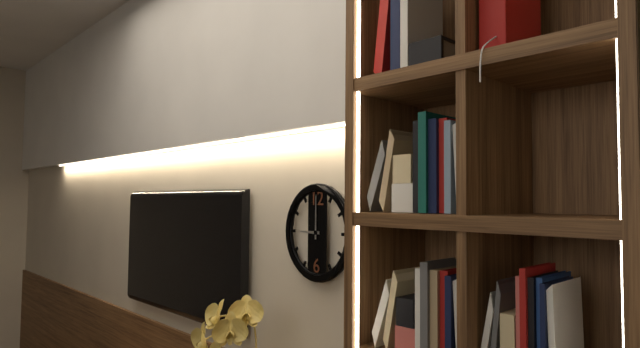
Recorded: h=9 m=0
